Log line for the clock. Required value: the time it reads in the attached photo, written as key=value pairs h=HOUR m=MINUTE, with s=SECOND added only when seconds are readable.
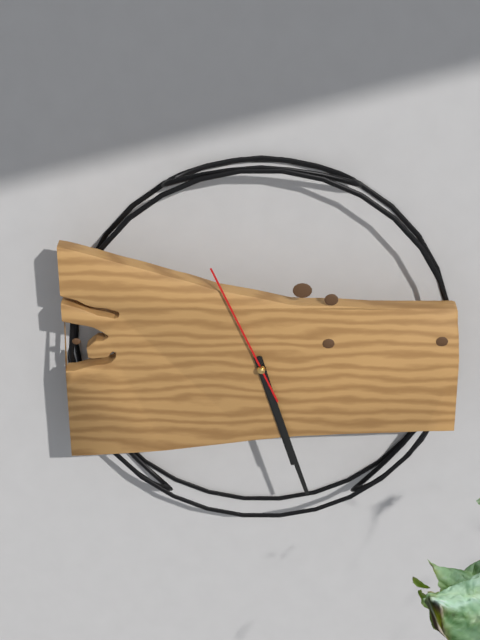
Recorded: h=5 m=27 s=56
